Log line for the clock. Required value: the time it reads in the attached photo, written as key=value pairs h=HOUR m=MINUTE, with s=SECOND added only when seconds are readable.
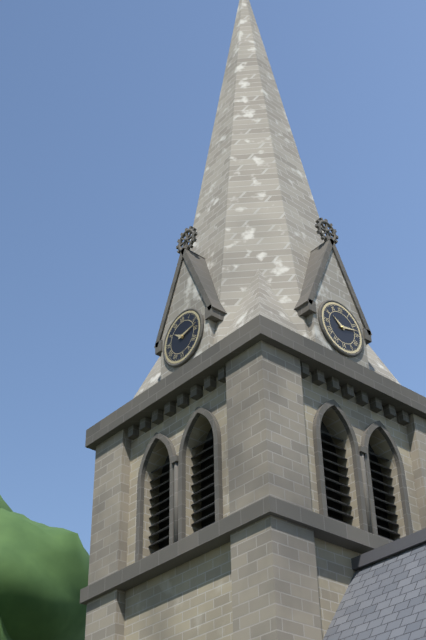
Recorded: h=10 m=13
